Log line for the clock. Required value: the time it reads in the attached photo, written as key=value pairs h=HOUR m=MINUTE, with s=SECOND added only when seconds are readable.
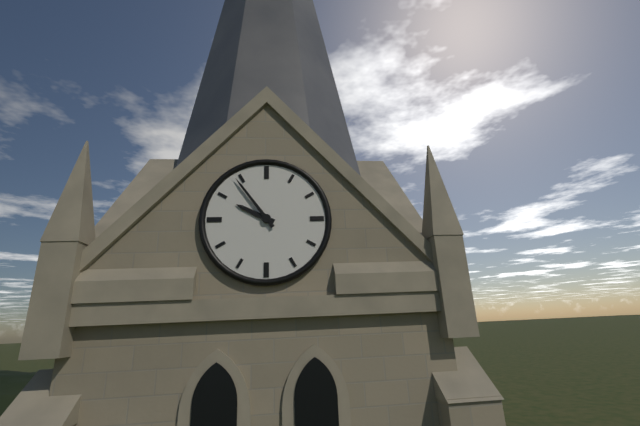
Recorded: h=9 m=54
